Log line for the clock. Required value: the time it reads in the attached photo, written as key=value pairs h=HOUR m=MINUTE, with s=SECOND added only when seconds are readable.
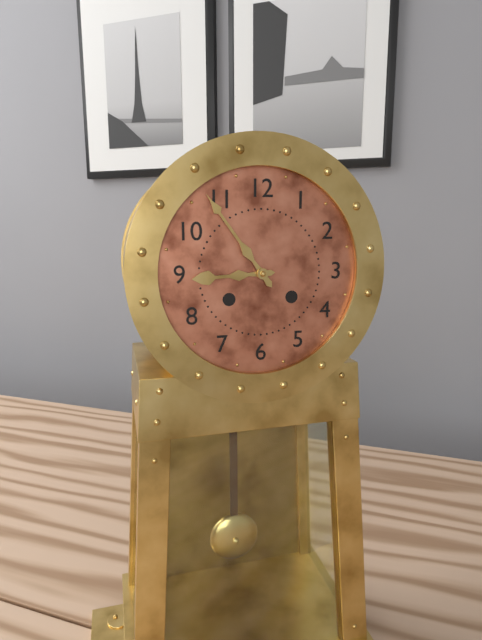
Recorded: h=8 m=54
